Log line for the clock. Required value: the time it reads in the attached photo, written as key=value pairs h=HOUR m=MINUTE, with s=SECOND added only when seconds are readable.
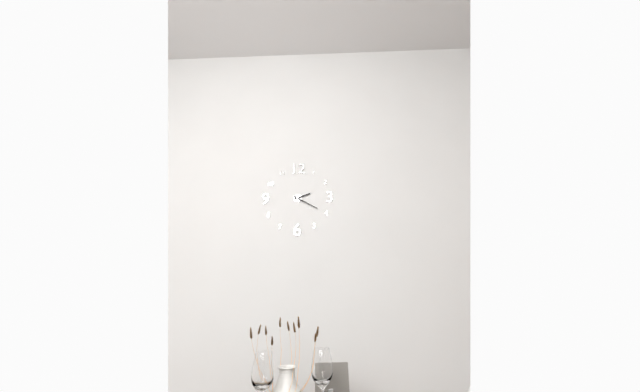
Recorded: h=2 m=20
